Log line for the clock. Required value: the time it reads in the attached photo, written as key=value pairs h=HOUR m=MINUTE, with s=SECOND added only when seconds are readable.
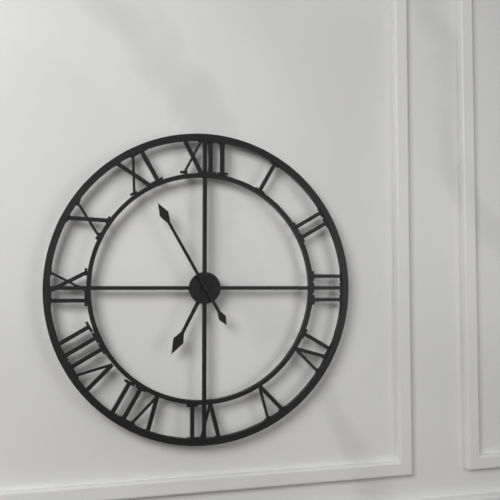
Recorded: h=6 m=55
